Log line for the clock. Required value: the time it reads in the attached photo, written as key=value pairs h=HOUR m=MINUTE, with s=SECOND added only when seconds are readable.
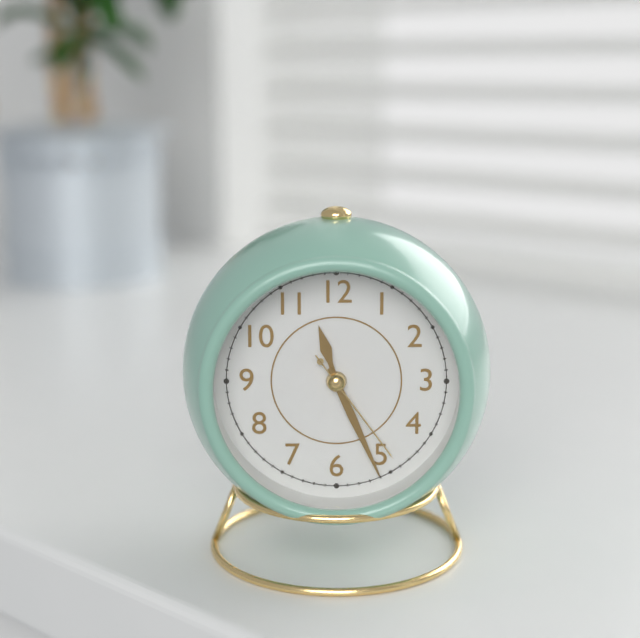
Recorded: h=11 m=26 s=24
